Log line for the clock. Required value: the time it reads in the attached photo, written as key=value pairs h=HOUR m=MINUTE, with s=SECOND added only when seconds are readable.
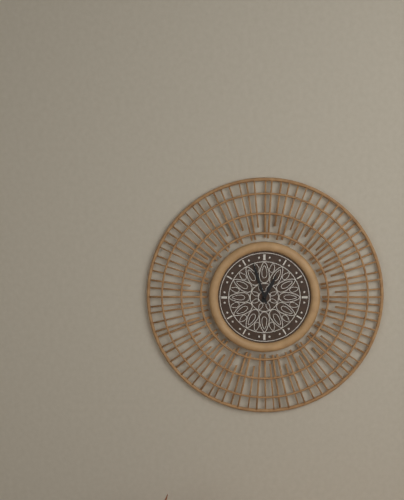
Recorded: h=12 m=57
